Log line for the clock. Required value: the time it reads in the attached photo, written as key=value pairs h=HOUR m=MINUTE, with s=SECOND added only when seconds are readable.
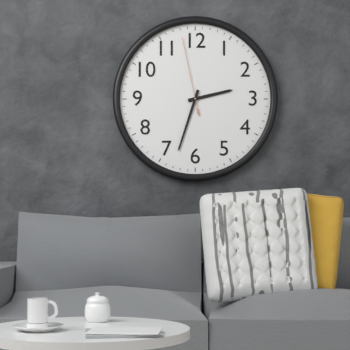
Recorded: h=2 m=33 s=58
